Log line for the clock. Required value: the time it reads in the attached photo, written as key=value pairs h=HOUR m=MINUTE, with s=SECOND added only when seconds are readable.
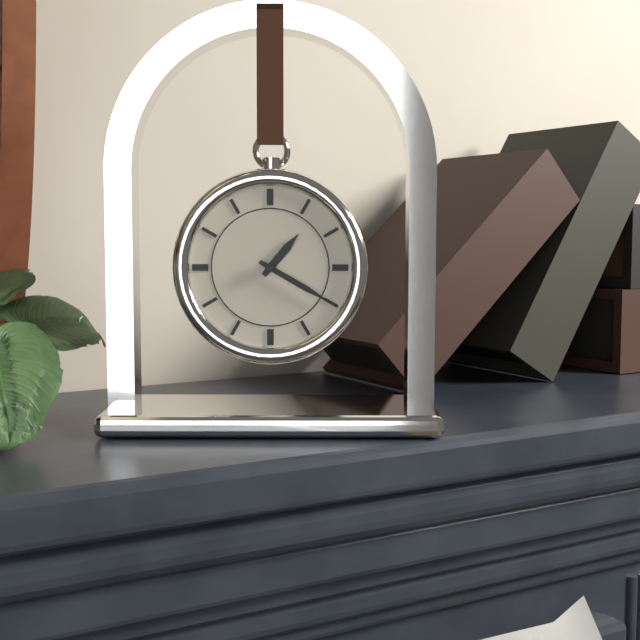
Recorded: h=1 m=20
